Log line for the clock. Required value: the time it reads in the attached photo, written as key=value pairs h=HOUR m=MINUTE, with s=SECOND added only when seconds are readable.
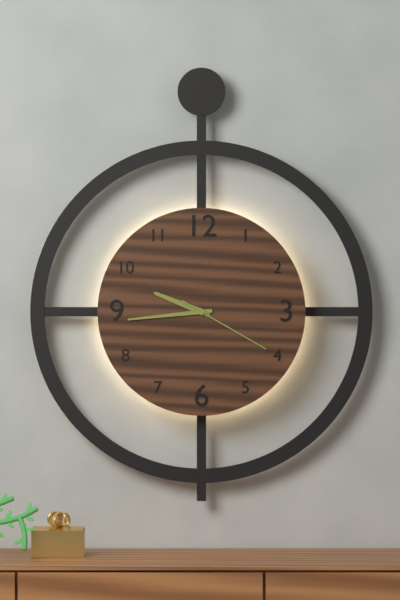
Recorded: h=9 m=44 s=20
